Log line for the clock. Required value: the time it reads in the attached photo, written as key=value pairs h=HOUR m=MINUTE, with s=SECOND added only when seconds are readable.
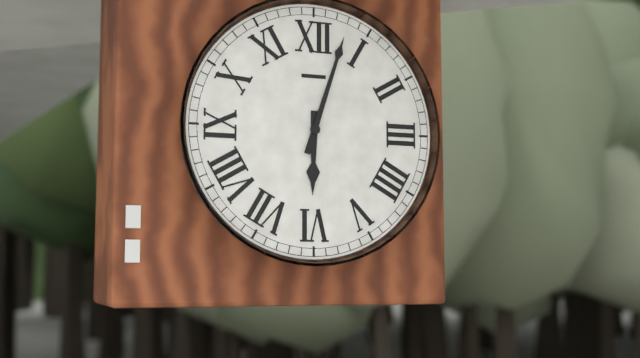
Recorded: h=6 m=3
